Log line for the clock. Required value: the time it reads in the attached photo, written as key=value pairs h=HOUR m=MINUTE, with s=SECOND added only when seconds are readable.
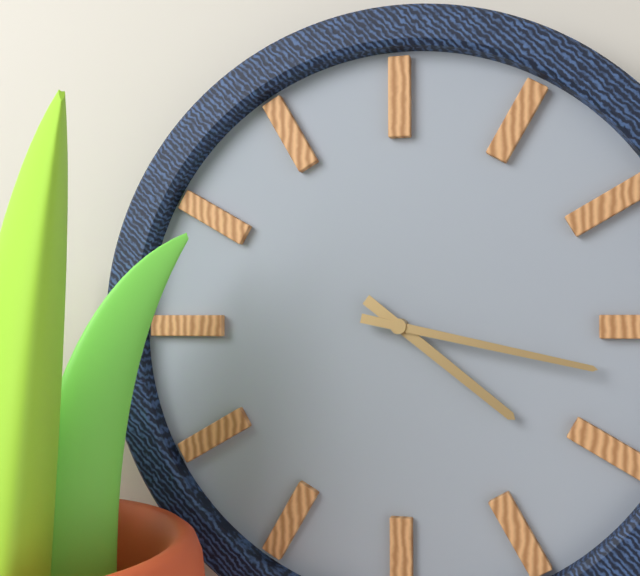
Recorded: h=4 m=17
